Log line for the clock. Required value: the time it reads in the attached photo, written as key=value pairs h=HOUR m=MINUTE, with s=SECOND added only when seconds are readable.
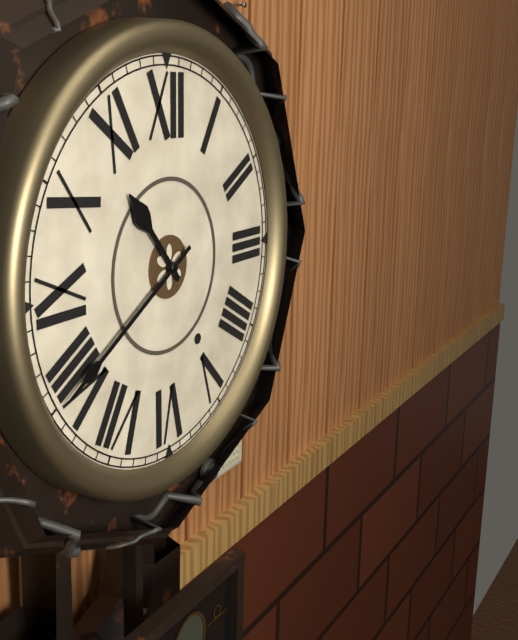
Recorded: h=10 m=40
